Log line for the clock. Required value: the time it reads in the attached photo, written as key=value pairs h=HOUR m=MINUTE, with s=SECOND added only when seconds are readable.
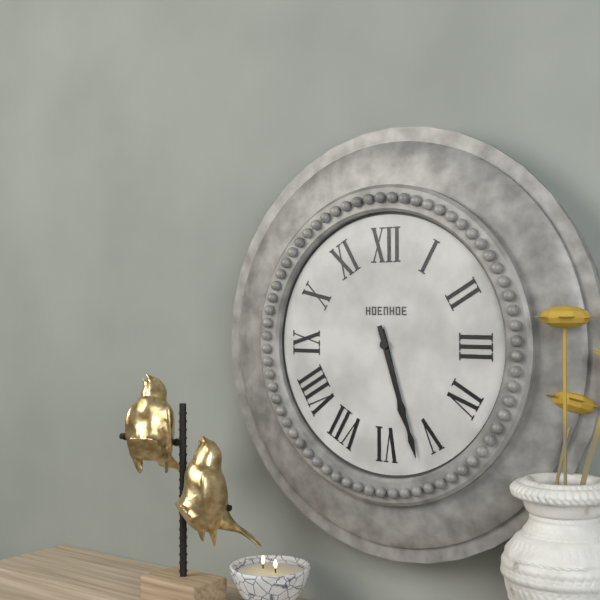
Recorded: h=5 m=27
